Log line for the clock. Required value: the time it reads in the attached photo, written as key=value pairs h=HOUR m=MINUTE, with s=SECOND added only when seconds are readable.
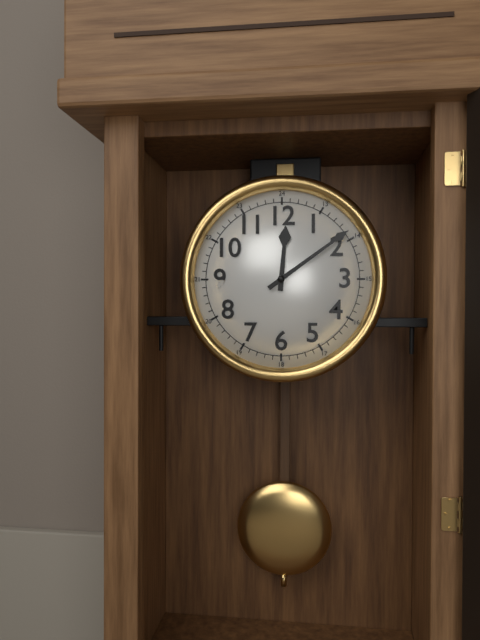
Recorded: h=12 m=9
